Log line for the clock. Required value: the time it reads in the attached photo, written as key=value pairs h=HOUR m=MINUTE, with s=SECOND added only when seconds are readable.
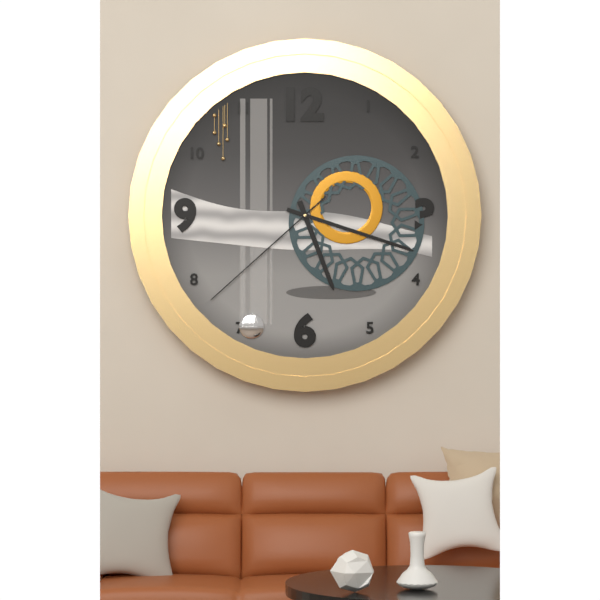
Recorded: h=5 m=18 s=38
